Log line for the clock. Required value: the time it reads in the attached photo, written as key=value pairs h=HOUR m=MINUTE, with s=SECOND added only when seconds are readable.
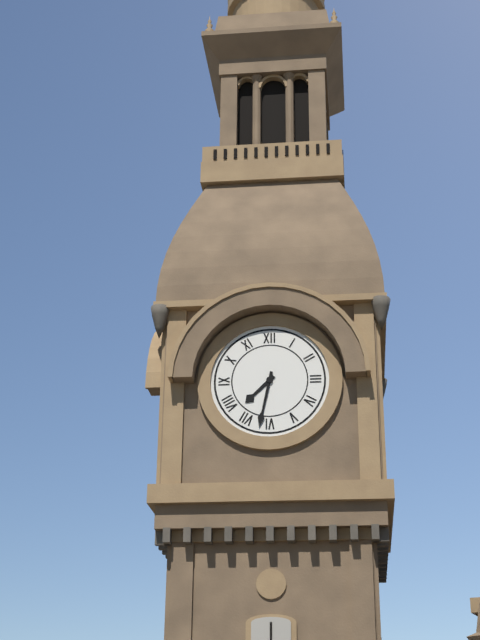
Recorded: h=7 m=32
